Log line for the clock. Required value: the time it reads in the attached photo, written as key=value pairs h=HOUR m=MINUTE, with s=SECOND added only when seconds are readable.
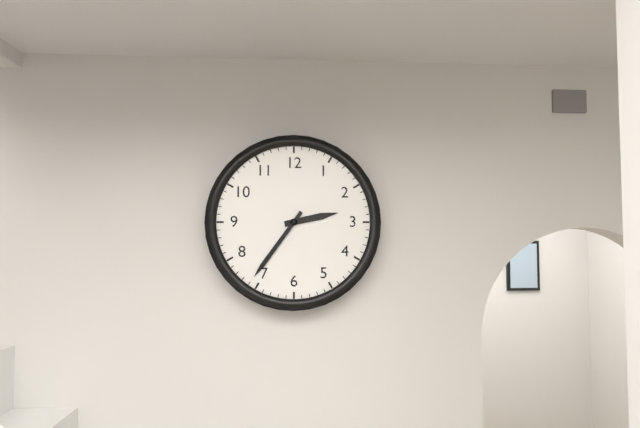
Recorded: h=2 m=36
